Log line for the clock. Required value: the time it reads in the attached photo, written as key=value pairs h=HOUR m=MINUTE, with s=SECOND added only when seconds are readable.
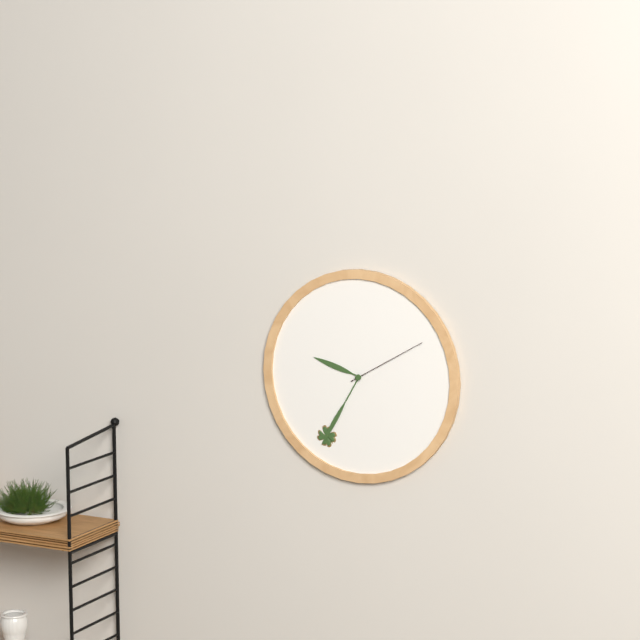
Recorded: h=9 m=35 s=10
